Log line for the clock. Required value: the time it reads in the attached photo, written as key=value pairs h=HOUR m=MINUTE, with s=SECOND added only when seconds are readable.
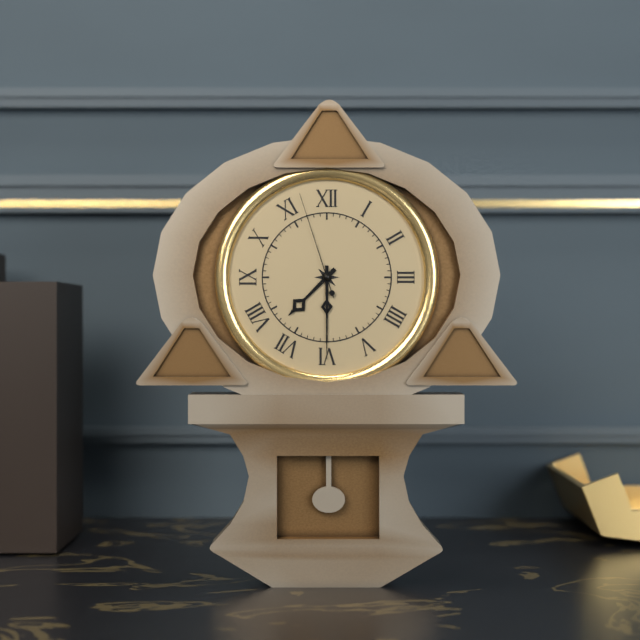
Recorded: h=7 m=30 s=57
